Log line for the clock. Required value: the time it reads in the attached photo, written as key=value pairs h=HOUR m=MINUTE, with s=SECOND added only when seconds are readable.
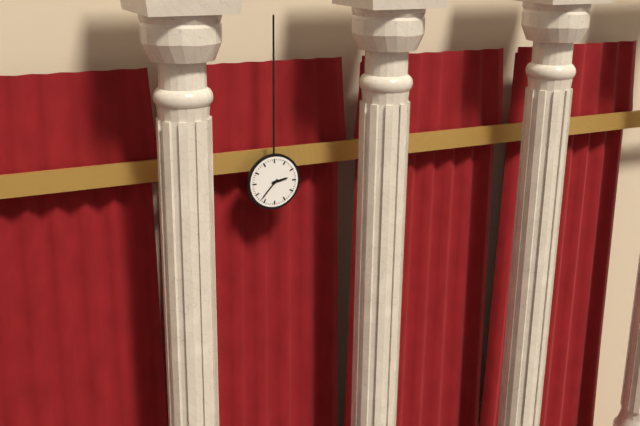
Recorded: h=2 m=37
